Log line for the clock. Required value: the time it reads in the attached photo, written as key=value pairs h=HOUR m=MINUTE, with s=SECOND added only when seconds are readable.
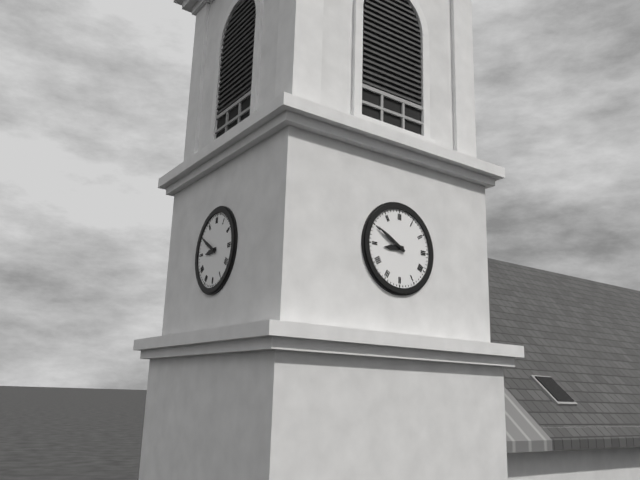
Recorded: h=8 m=50
